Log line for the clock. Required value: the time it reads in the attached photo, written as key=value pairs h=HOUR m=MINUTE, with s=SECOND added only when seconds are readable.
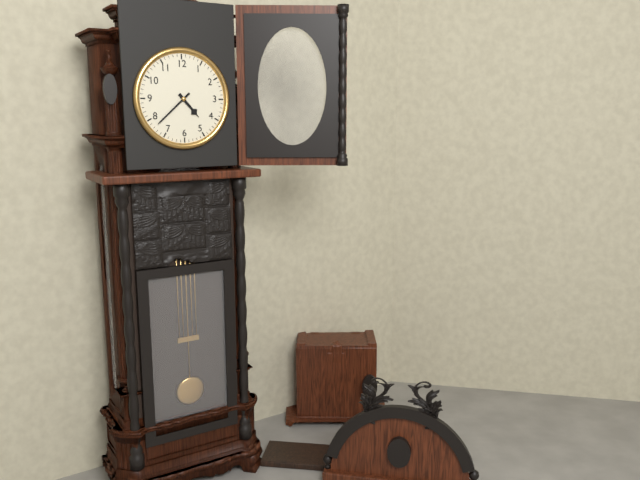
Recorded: h=4 m=38
